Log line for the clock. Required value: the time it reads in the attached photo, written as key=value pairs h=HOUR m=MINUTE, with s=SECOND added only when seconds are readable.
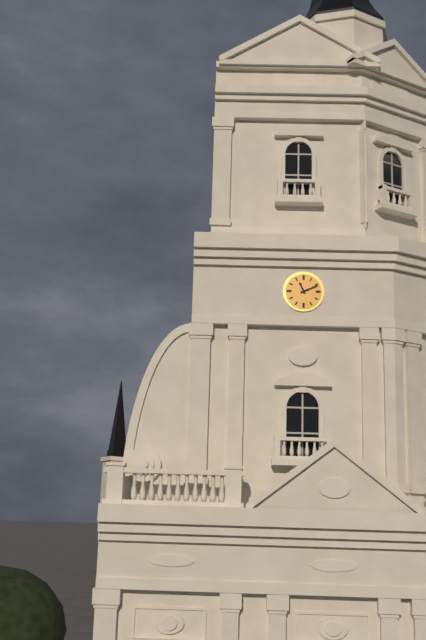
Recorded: h=11 m=11
